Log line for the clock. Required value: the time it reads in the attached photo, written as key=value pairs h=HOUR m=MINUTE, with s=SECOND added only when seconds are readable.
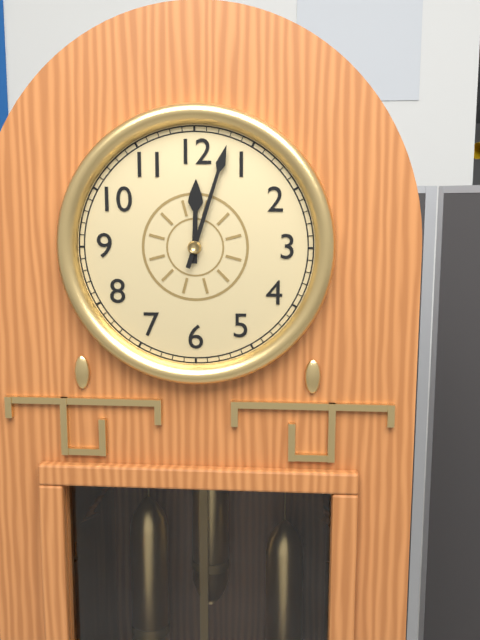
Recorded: h=12 m=3
